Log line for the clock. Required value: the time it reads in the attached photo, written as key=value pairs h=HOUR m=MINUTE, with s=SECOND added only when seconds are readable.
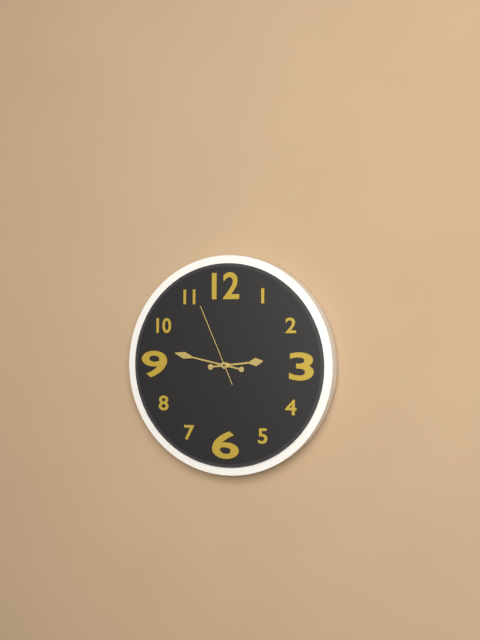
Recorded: h=2 m=47 s=56
